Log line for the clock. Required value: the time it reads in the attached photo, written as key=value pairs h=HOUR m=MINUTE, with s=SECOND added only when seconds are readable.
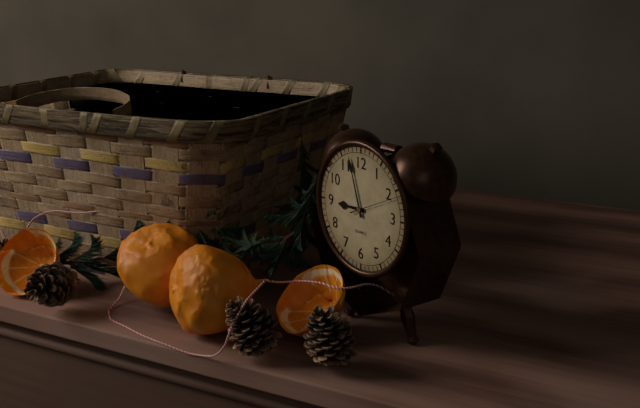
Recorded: h=8 m=57 s=11
